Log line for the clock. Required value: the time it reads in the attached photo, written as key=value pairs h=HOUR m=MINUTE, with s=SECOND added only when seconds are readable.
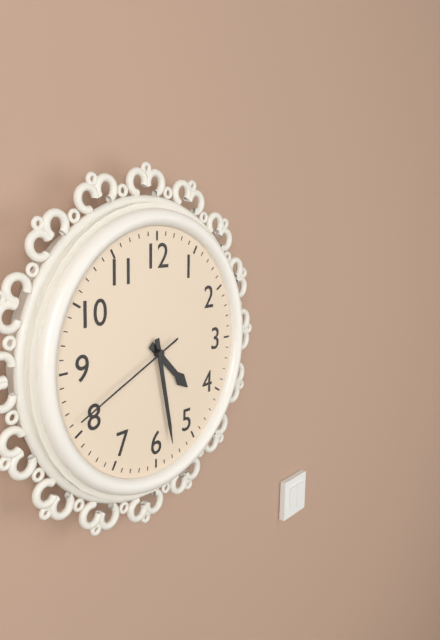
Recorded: h=4 m=28 s=41
